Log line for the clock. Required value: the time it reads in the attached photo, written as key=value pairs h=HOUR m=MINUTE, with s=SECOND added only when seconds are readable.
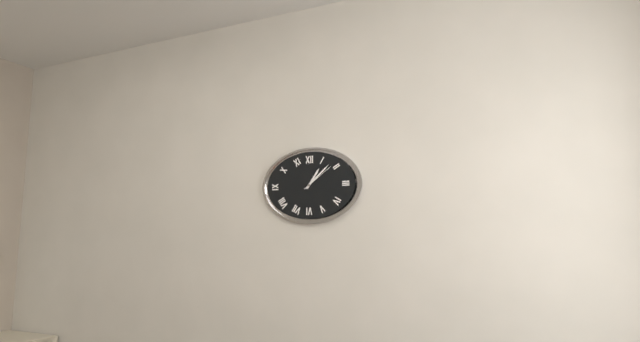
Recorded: h=1 m=8
